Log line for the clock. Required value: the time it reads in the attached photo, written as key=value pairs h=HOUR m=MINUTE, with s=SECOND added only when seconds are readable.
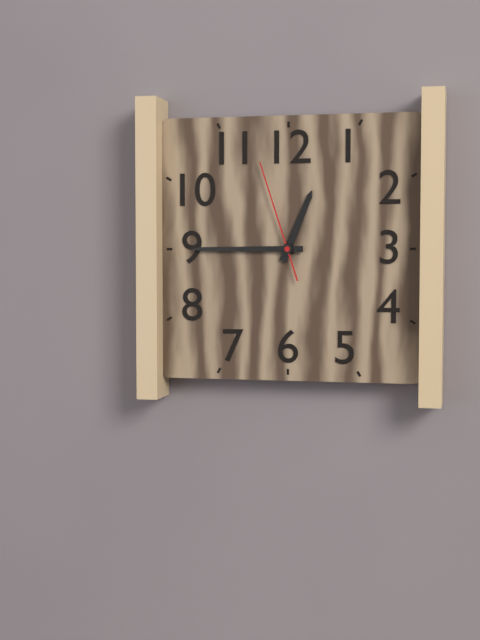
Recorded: h=12 m=45 s=57
